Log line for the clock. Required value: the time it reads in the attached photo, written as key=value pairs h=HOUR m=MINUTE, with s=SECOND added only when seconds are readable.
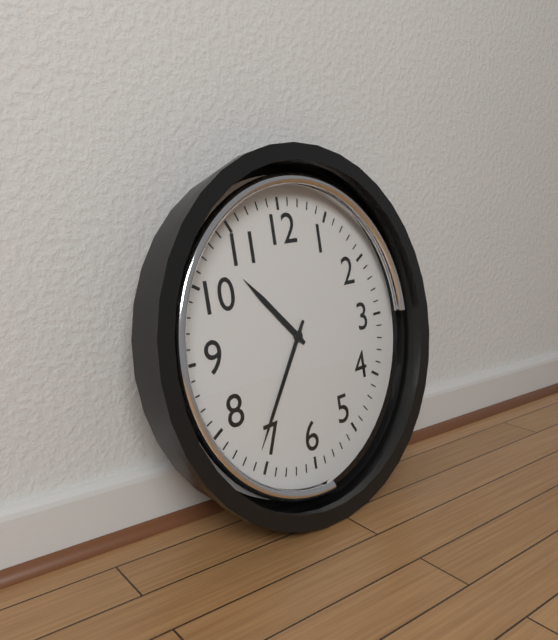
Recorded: h=10 m=36
